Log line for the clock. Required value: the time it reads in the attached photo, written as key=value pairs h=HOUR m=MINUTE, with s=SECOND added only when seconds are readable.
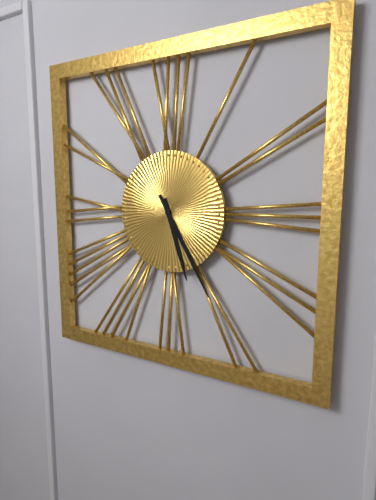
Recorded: h=5 m=25
